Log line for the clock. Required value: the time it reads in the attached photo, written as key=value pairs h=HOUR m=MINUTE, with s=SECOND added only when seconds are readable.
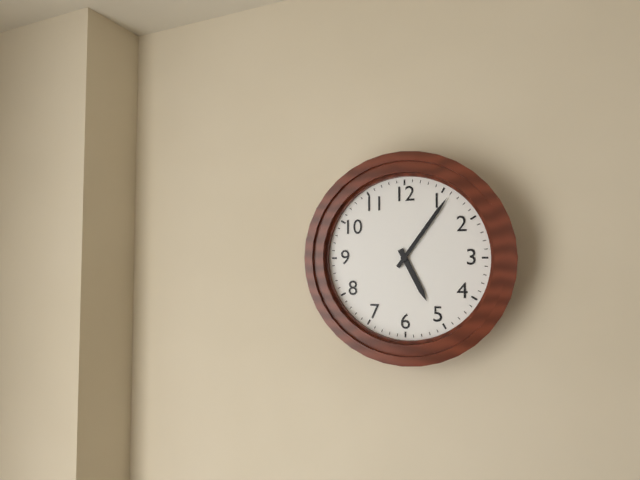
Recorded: h=5 m=6
